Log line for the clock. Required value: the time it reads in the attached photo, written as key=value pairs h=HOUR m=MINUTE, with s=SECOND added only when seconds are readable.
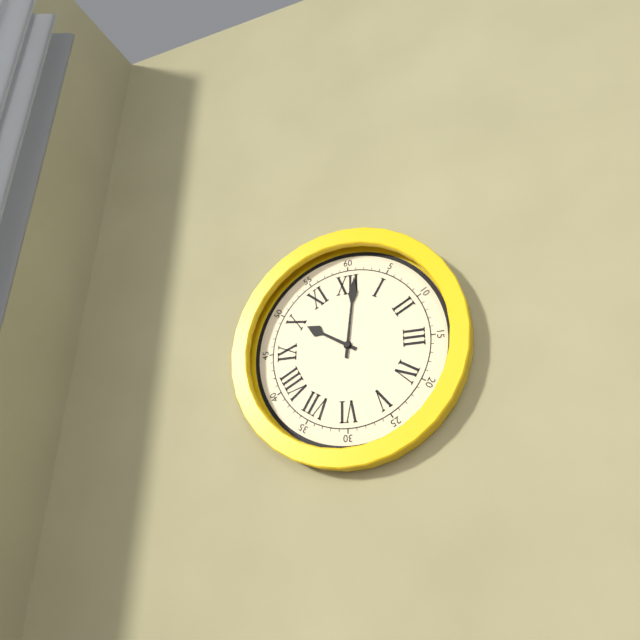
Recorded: h=10 m=1
